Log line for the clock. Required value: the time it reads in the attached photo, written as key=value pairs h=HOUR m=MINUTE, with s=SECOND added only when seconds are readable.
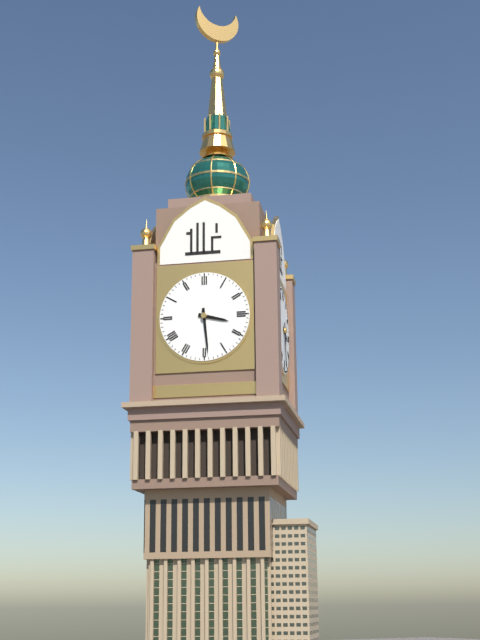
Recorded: h=3 m=29
